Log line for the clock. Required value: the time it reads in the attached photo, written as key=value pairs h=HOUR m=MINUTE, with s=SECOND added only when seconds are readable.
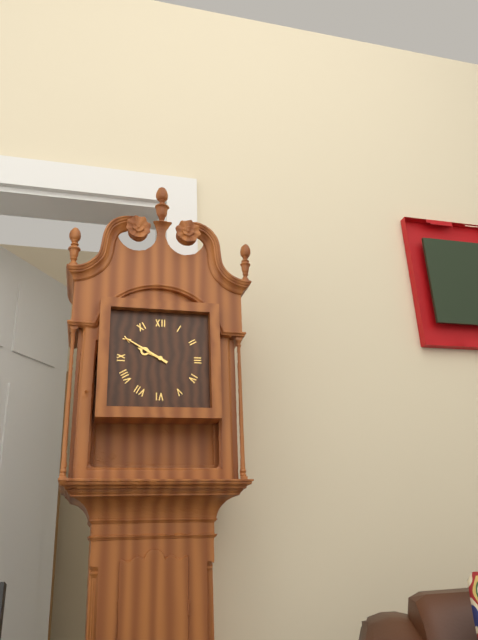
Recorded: h=9 m=50
